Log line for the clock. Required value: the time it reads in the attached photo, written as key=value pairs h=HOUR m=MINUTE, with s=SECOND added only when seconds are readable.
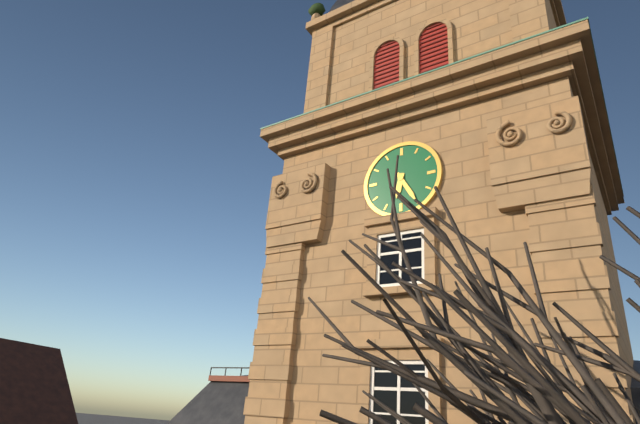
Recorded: h=6 m=25
